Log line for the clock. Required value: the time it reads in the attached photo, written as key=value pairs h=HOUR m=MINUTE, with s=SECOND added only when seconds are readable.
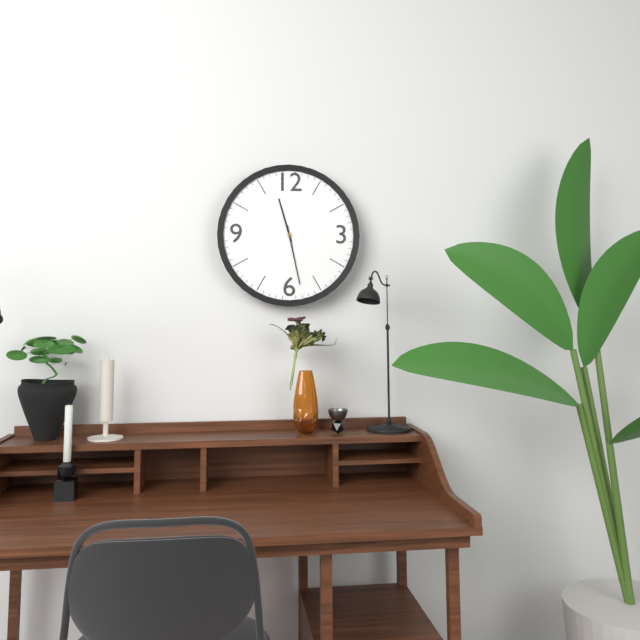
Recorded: h=11 m=28
